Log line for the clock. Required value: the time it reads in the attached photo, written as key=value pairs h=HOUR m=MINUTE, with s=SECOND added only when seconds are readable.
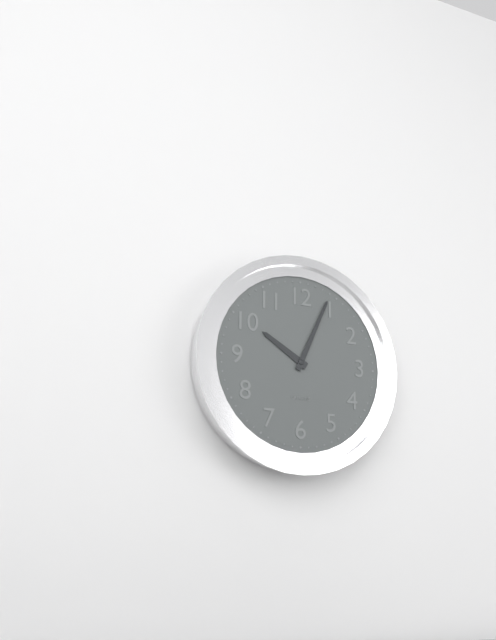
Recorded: h=10 m=4
